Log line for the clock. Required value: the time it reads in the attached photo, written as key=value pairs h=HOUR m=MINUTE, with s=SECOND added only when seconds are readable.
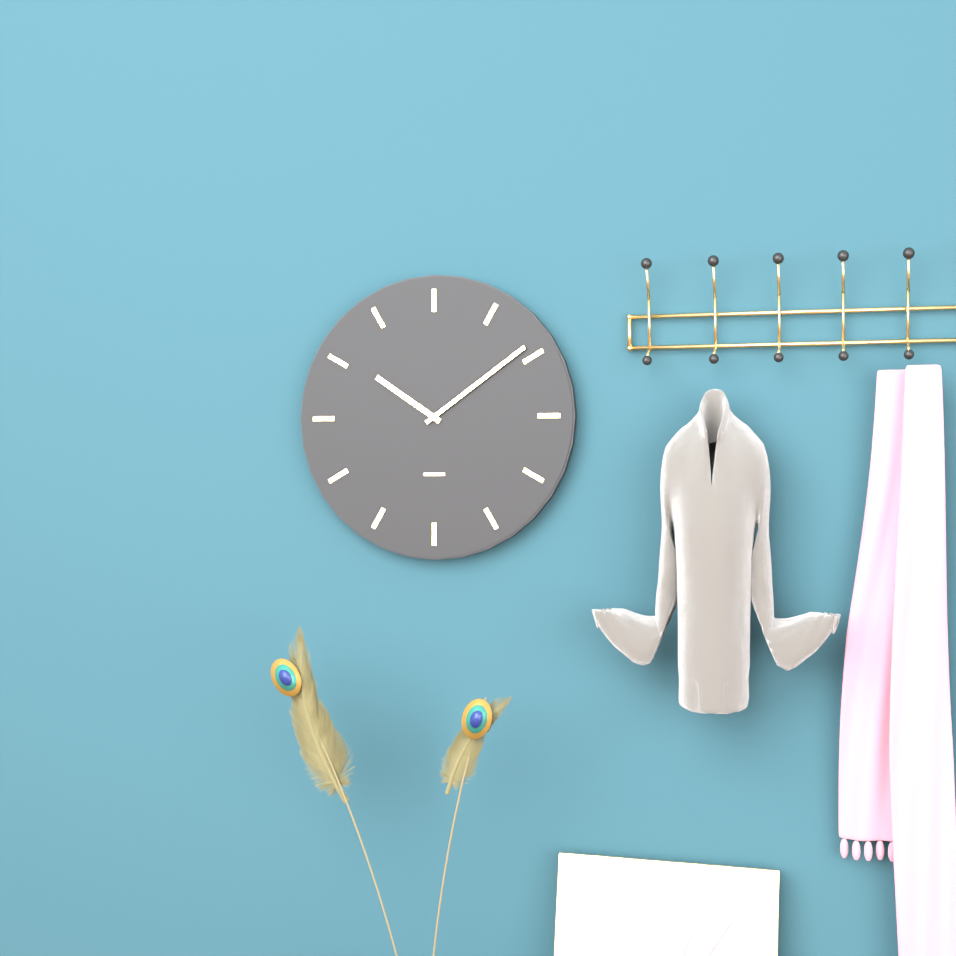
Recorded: h=10 m=9
